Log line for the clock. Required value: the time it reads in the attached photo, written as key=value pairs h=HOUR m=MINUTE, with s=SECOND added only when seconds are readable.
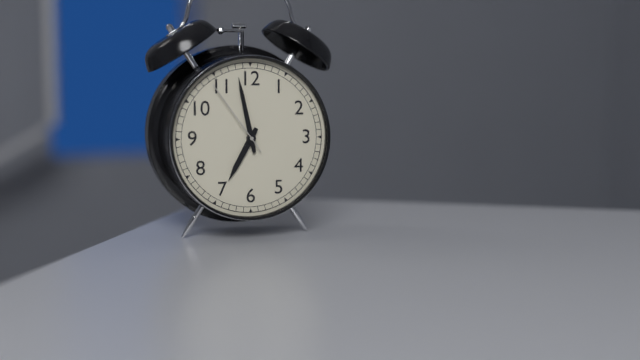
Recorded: h=6 m=58 s=54
